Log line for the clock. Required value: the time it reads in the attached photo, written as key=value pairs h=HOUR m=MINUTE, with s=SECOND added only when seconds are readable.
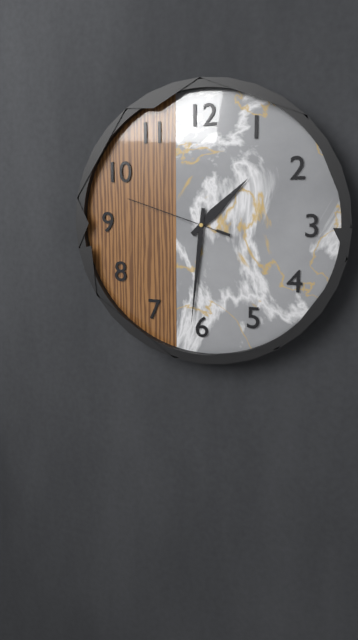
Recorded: h=1 m=31 s=48
